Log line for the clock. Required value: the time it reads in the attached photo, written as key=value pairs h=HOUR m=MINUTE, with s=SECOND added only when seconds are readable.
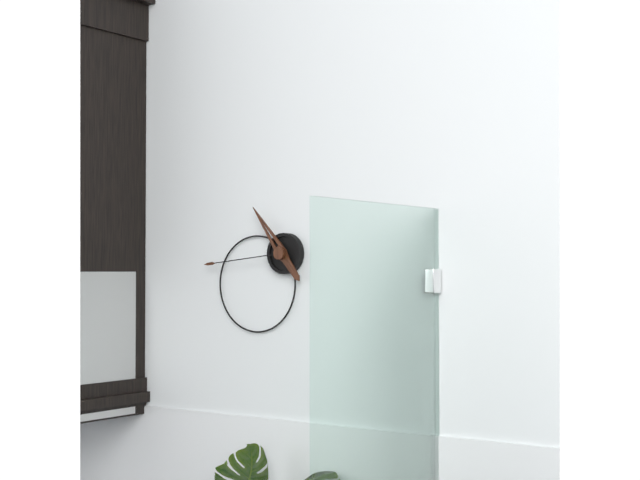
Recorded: h=10 m=44
